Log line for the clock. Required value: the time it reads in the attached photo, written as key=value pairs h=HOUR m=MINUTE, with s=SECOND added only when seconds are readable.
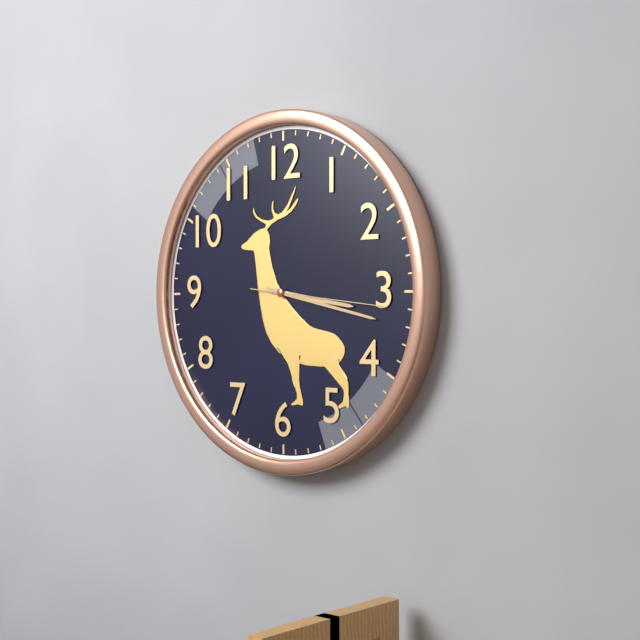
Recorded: h=3 m=17 s=16
